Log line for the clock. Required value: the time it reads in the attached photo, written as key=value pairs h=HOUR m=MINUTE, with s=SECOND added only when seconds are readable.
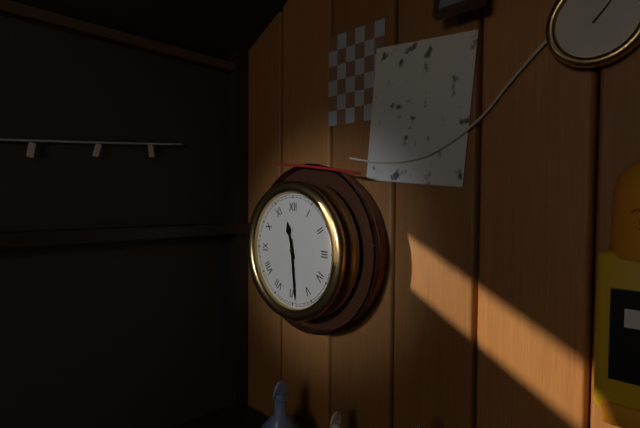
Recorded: h=11 m=29
